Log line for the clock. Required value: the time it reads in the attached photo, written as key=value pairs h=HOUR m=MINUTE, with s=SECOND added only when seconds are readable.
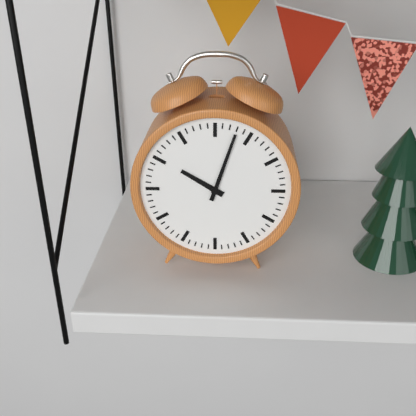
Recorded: h=10 m=3
